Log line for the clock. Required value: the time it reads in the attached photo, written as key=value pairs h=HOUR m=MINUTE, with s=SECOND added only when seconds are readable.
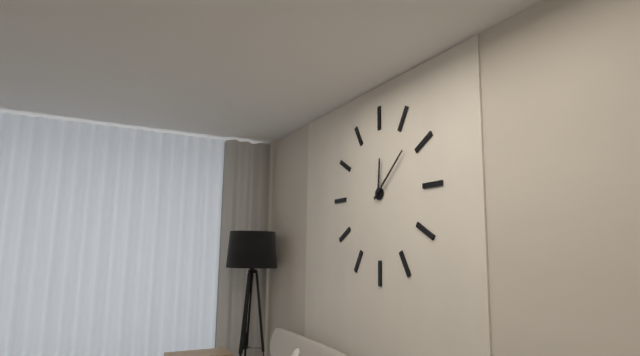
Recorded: h=12 m=8
